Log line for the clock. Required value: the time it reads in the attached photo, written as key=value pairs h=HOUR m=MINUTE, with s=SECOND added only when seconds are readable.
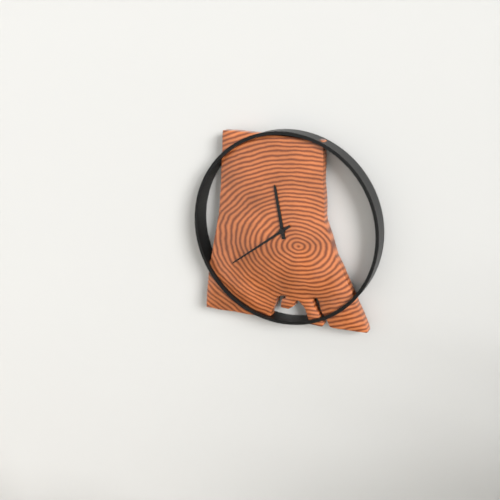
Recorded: h=11 m=39
